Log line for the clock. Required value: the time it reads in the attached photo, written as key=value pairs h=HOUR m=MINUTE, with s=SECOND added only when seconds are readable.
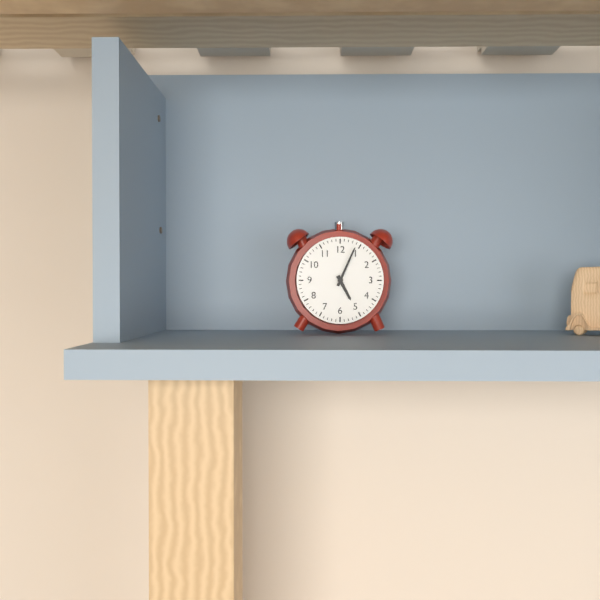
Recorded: h=5 m=4
